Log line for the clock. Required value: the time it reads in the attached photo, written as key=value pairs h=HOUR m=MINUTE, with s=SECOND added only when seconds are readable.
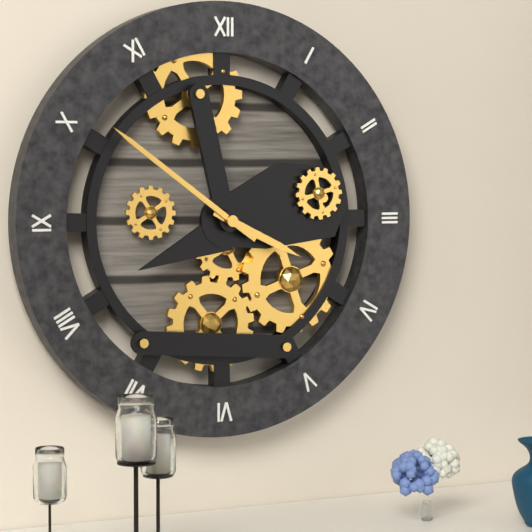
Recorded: h=3 m=51
